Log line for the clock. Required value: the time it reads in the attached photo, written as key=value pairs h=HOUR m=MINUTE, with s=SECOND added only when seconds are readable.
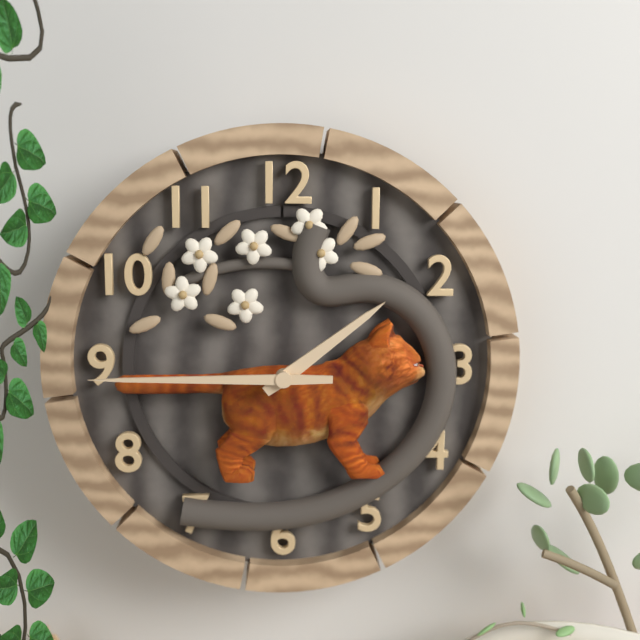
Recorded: h=1 m=45
